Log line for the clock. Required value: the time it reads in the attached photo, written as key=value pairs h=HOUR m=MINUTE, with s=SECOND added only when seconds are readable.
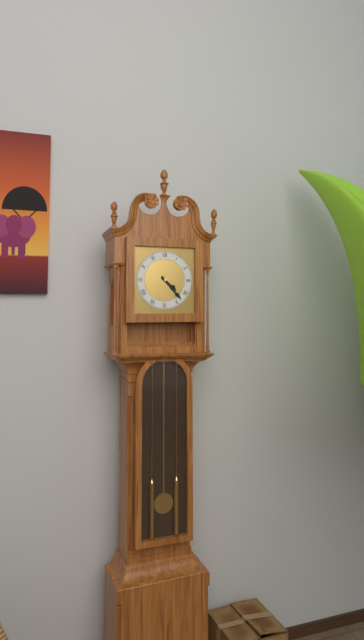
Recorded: h=4 m=23
